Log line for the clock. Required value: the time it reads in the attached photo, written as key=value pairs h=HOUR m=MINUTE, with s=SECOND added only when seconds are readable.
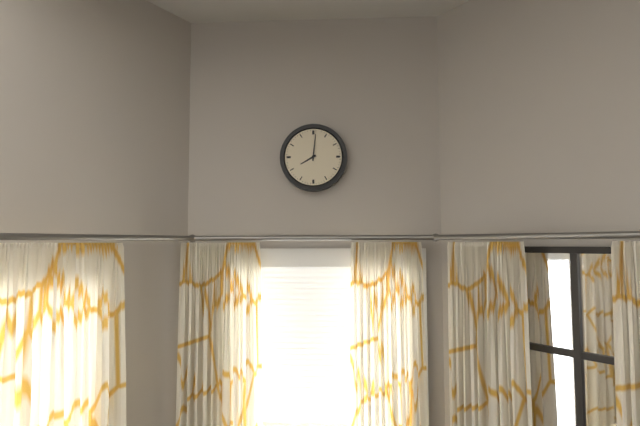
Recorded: h=8 m=1
